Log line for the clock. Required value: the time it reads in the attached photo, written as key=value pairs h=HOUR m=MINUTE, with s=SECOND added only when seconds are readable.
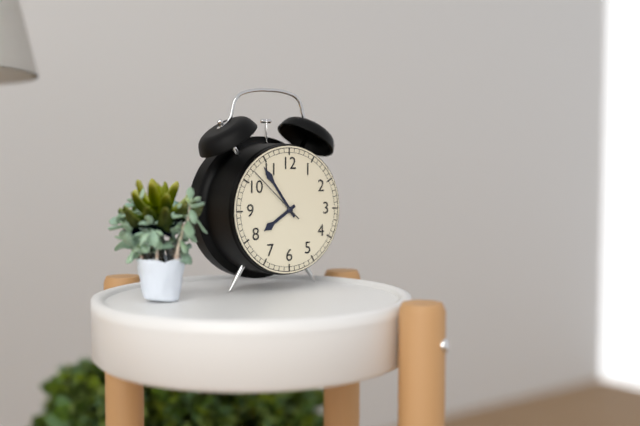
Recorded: h=7 m=54 s=52
